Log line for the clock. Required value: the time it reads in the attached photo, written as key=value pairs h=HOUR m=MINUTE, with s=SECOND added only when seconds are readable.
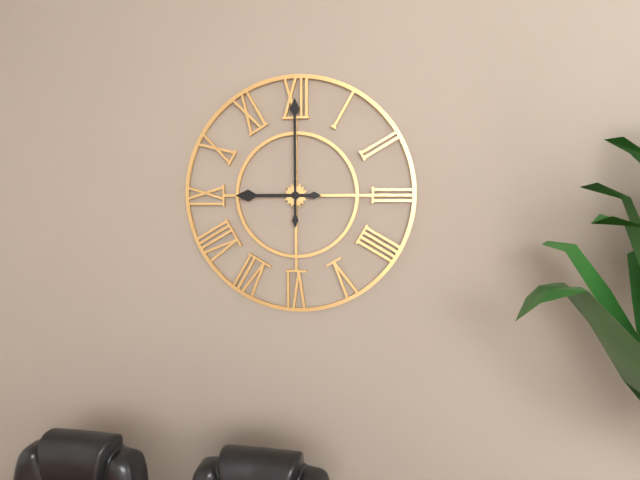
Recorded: h=9 m=0
